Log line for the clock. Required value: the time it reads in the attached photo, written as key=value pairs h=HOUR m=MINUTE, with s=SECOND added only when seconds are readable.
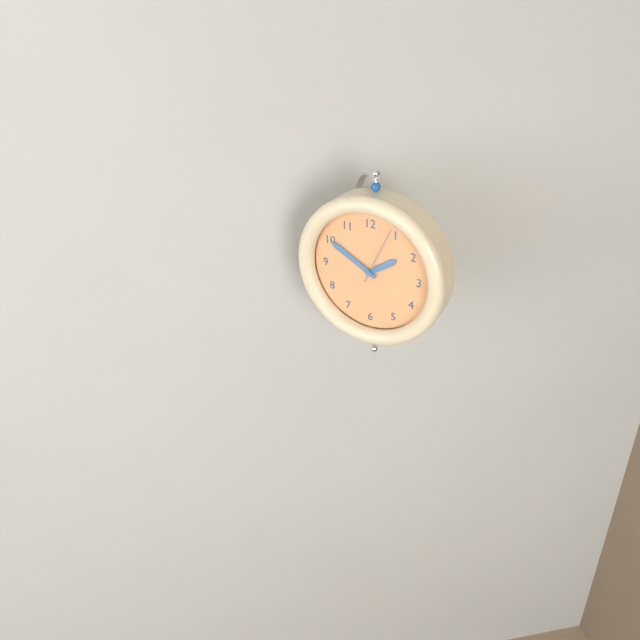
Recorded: h=1 m=50 s=4
